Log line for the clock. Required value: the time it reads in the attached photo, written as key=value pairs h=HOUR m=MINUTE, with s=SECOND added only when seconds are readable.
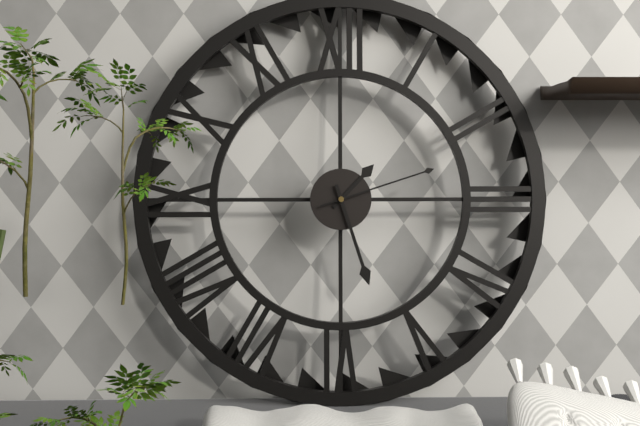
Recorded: h=1 m=27 s=12
